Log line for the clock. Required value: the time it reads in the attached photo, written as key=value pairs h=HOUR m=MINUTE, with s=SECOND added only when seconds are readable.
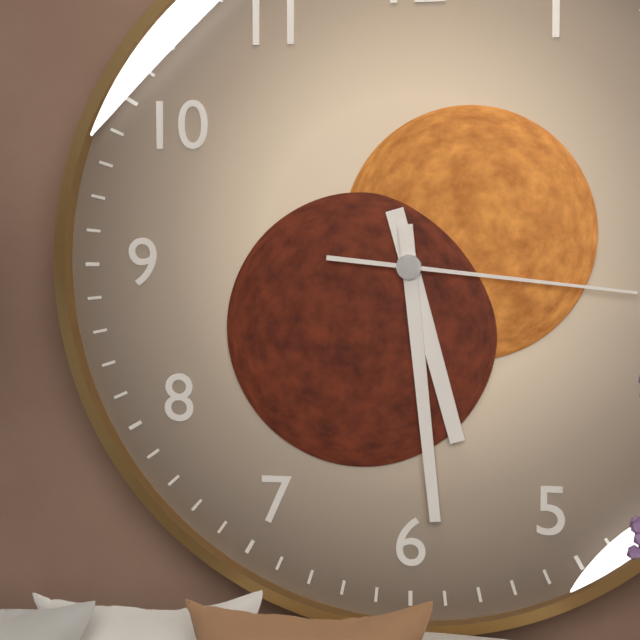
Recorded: h=5 m=29 s=16
